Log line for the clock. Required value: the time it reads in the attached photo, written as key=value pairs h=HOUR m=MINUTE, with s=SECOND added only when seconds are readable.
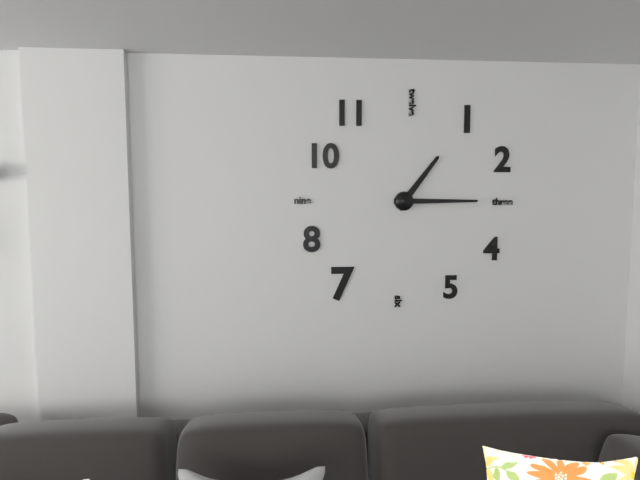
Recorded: h=1 m=15
